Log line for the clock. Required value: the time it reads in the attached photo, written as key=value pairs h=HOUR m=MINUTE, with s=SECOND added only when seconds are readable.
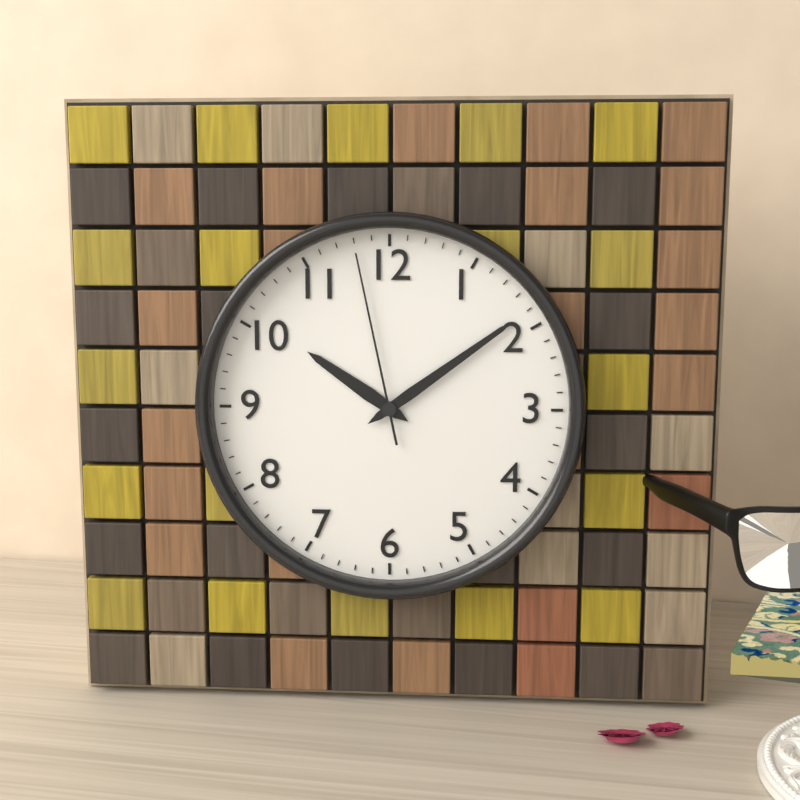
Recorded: h=10 m=9 s=58
